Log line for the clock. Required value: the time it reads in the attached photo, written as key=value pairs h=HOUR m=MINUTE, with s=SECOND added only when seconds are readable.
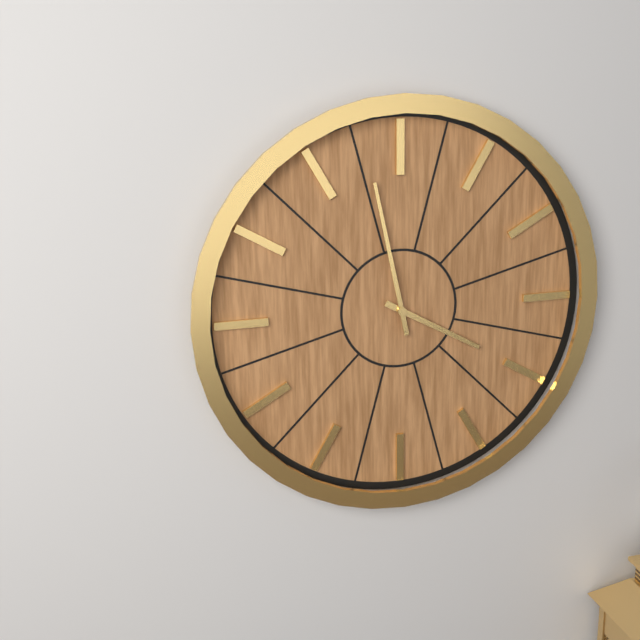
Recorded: h=3 m=58
